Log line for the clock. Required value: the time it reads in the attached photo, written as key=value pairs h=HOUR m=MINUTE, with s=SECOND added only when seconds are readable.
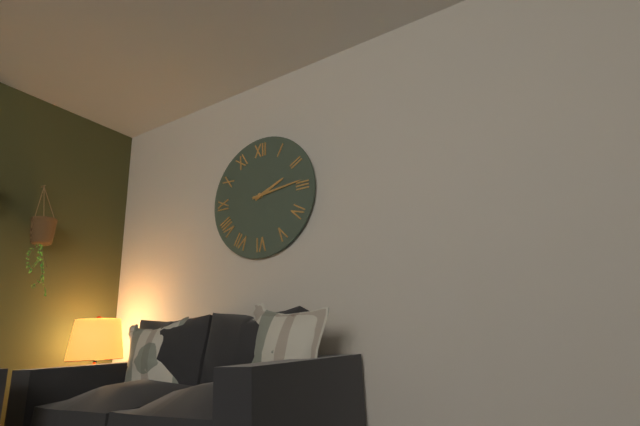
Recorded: h=2 m=14
